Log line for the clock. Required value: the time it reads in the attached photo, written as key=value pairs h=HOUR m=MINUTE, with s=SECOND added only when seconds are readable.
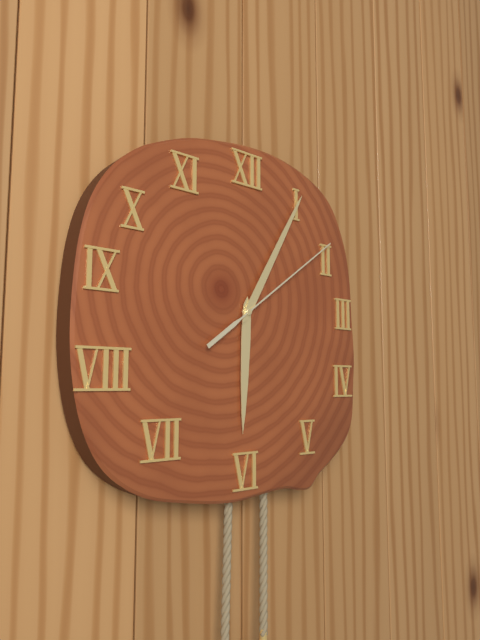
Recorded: h=6 m=5 s=9
